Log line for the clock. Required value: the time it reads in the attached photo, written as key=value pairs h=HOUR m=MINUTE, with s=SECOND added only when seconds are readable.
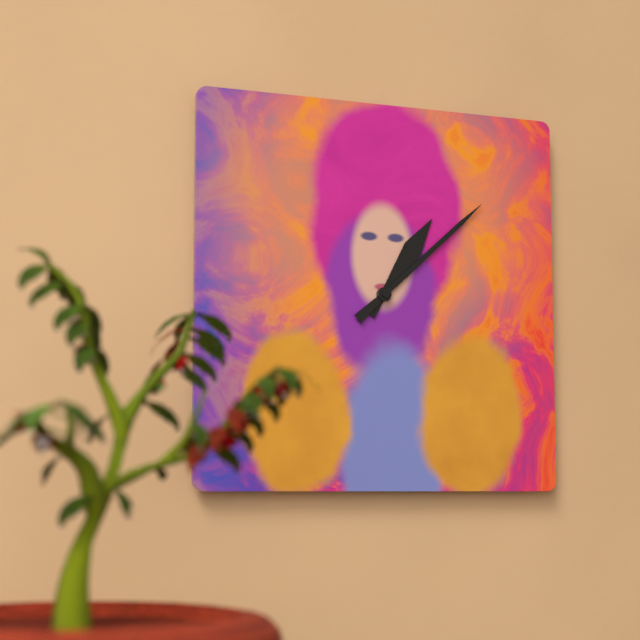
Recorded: h=1 m=8
